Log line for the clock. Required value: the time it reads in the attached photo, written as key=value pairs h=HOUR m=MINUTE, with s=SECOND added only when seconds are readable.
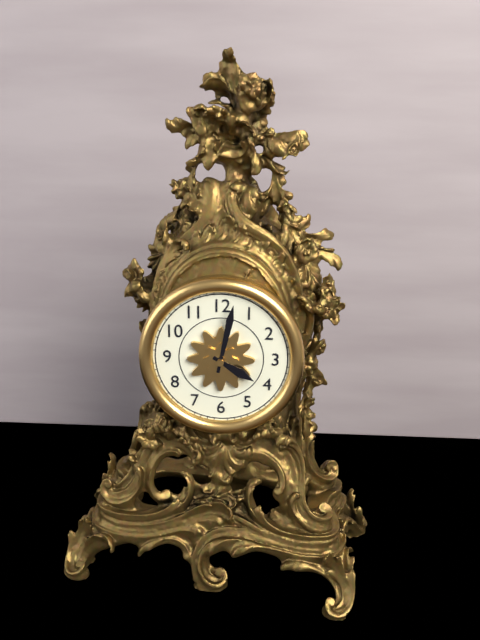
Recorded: h=4 m=2
